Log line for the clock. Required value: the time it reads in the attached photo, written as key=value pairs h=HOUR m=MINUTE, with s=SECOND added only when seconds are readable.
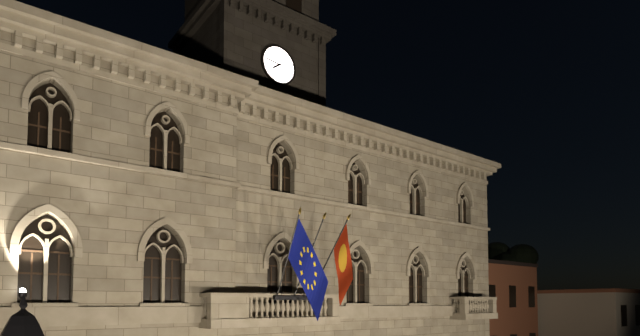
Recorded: h=7 m=46
